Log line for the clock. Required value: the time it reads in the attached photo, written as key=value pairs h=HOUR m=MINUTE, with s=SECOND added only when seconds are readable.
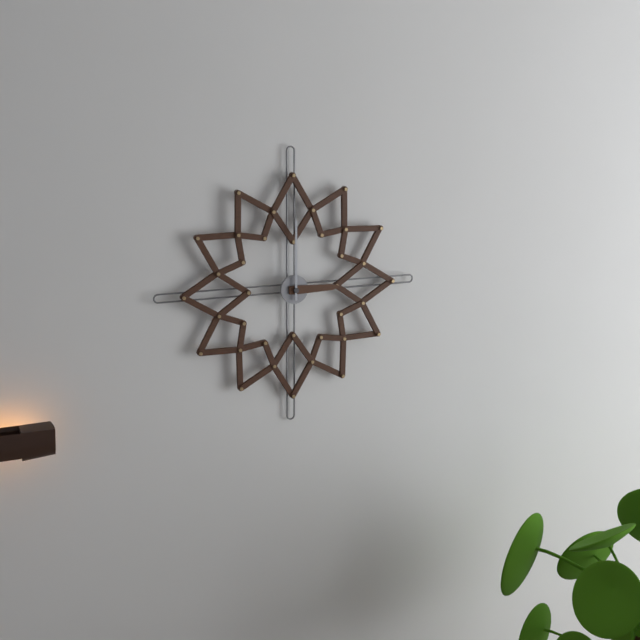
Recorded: h=3 m=0
